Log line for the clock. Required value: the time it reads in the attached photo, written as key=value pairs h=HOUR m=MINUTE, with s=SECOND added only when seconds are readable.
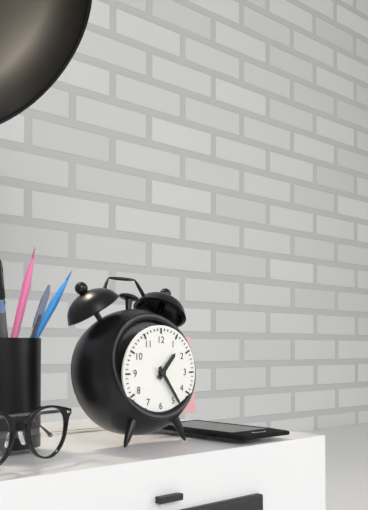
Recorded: h=1 m=24
